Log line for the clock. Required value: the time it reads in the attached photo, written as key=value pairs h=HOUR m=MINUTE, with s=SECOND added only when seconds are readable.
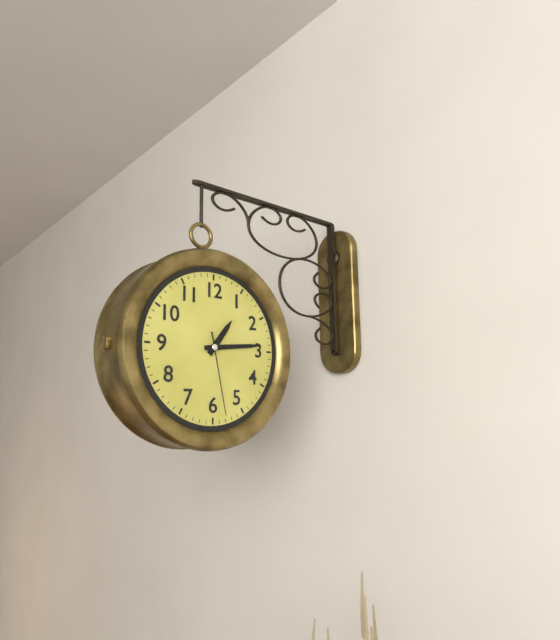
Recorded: h=1 m=14 s=28
